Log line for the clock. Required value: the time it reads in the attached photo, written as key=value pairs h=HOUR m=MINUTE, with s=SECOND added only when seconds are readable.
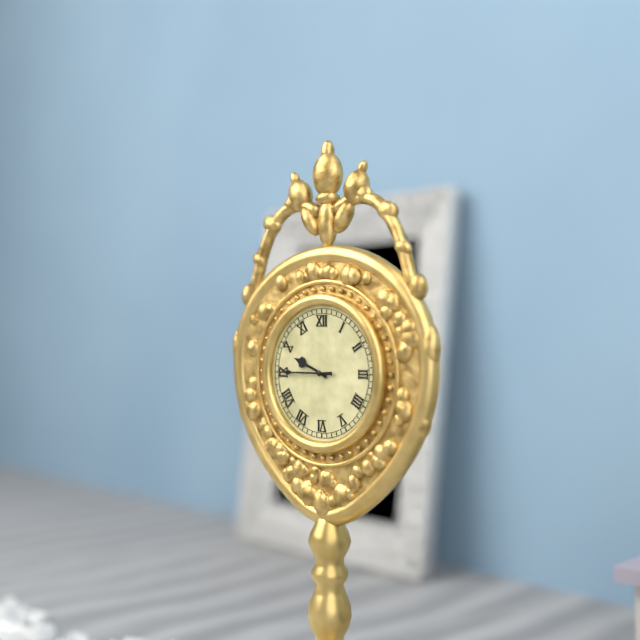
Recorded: h=9 m=45
